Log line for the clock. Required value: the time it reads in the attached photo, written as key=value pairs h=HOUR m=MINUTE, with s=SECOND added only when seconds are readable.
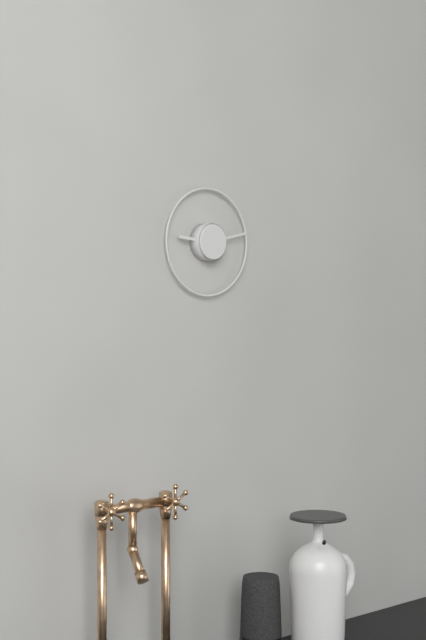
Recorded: h=9 m=13
